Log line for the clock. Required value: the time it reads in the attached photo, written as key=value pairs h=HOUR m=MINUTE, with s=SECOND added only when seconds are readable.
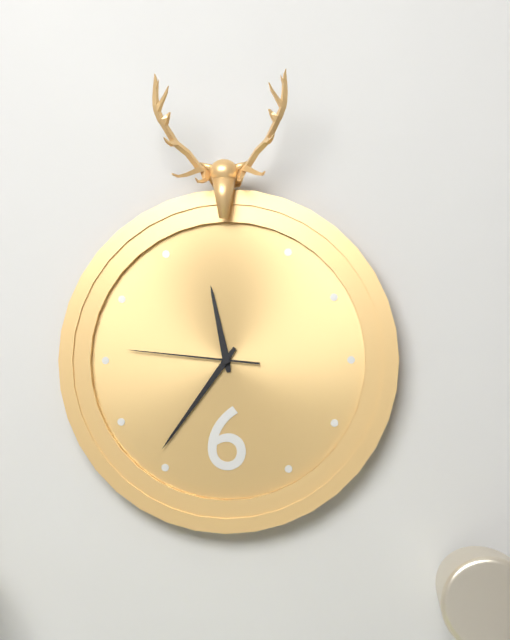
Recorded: h=11 m=36 s=46
